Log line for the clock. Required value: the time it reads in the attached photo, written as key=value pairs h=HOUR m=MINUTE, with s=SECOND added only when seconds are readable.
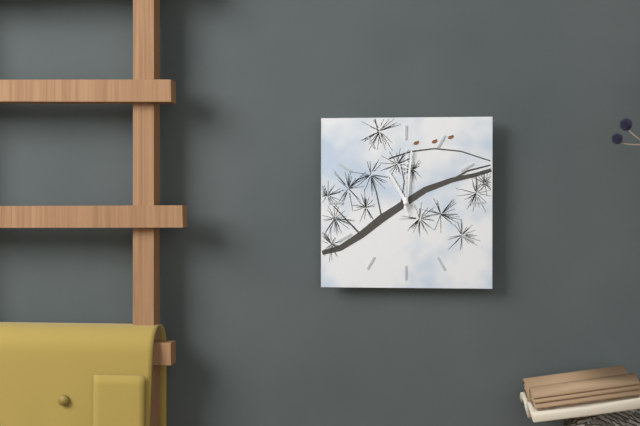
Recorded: h=11 m=1 s=0
